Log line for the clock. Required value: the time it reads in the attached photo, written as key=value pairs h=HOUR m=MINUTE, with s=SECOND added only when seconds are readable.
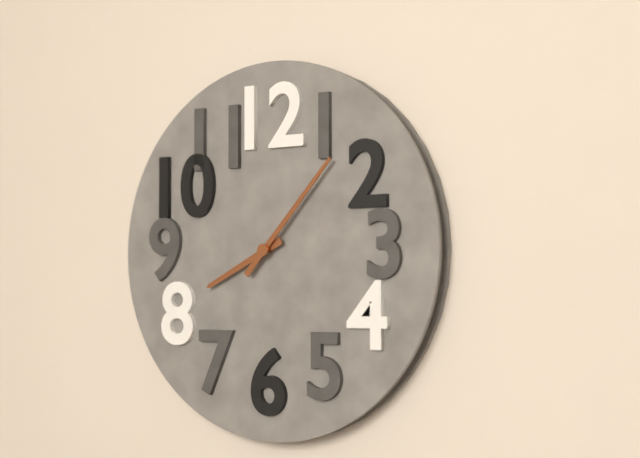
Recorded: h=8 m=7
